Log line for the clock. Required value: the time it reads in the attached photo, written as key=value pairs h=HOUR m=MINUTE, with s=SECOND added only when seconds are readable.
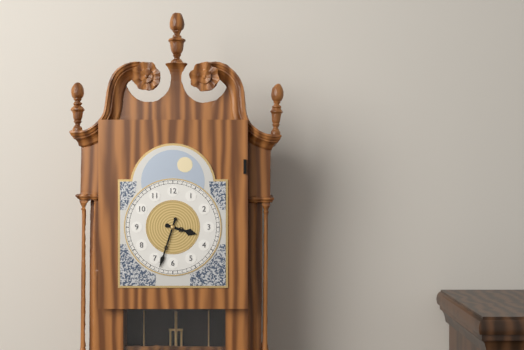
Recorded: h=3 m=33
